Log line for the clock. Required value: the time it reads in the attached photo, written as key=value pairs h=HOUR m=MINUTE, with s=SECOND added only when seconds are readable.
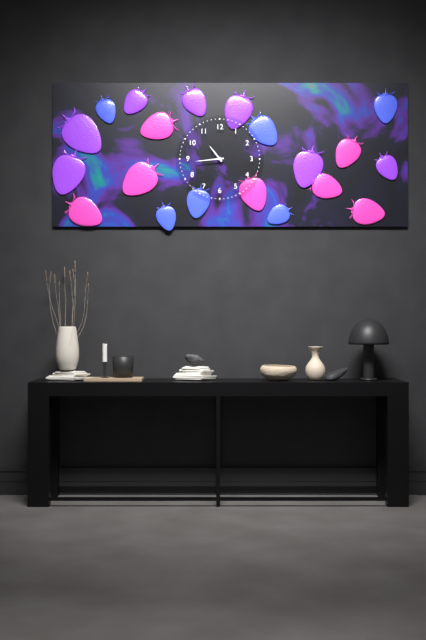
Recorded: h=10 m=44
